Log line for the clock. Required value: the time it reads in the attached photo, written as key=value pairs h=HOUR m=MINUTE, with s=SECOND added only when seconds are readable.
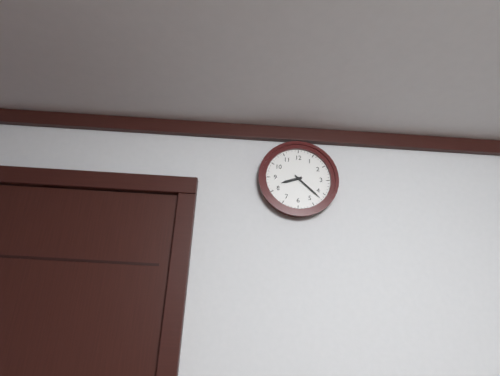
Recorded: h=8 m=22
